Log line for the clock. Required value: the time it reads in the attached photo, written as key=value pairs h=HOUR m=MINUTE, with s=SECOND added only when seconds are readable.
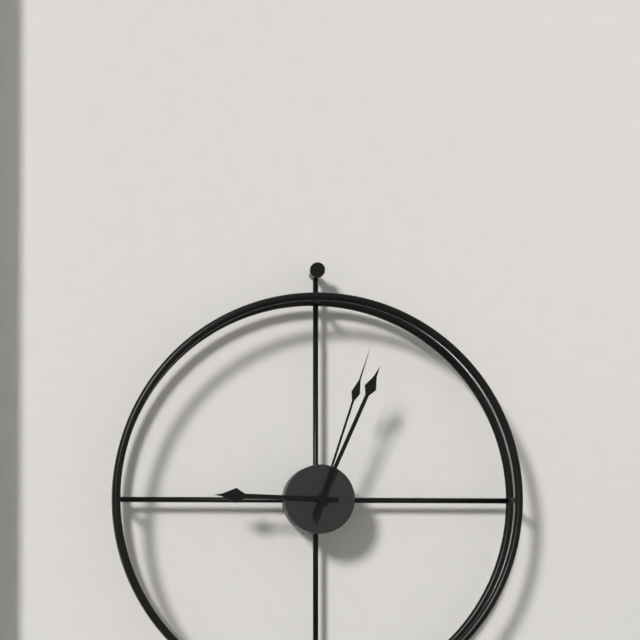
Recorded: h=9 m=4 s=3
